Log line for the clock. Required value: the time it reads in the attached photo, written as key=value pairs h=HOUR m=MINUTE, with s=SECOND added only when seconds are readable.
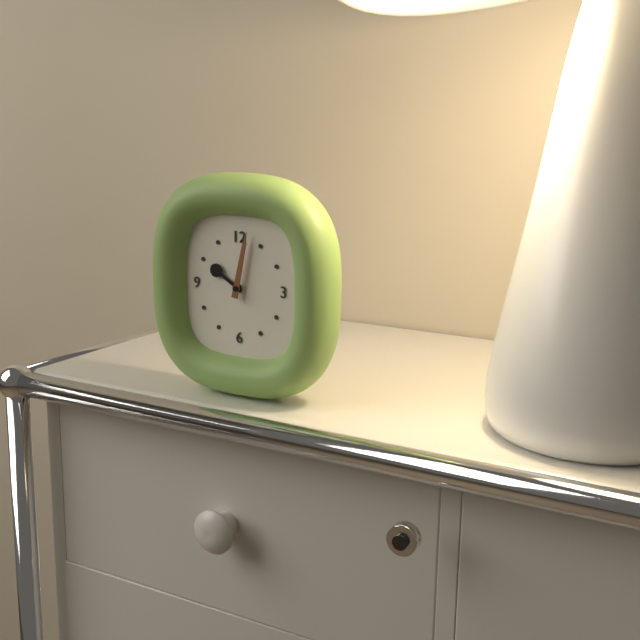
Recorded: h=10 m=2
